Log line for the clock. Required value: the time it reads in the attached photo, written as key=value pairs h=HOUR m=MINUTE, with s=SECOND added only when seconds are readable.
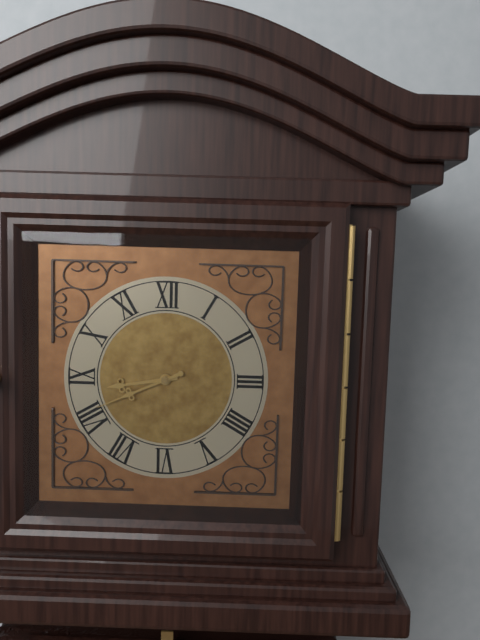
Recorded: h=8 m=41
